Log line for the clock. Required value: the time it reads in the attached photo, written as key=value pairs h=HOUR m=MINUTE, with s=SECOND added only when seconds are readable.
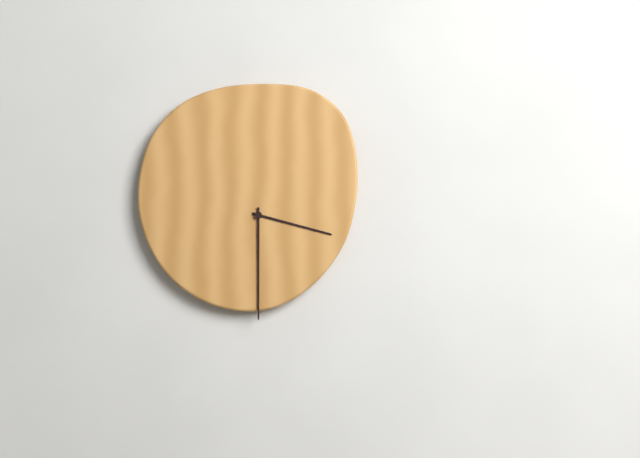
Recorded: h=3 m=30
